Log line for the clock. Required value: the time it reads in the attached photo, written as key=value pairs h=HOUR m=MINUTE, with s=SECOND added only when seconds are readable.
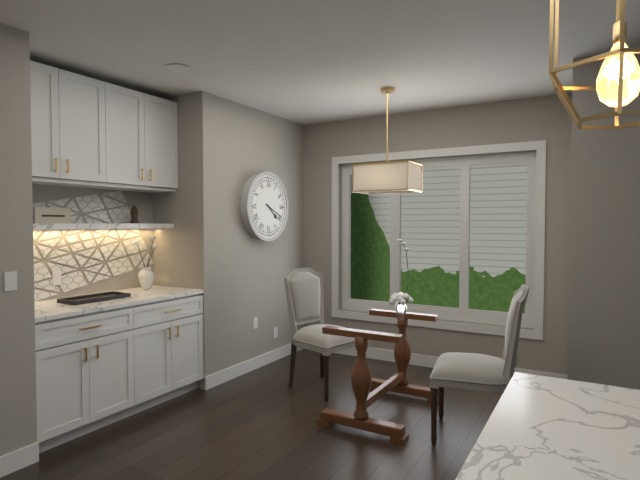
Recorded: h=4 m=19
